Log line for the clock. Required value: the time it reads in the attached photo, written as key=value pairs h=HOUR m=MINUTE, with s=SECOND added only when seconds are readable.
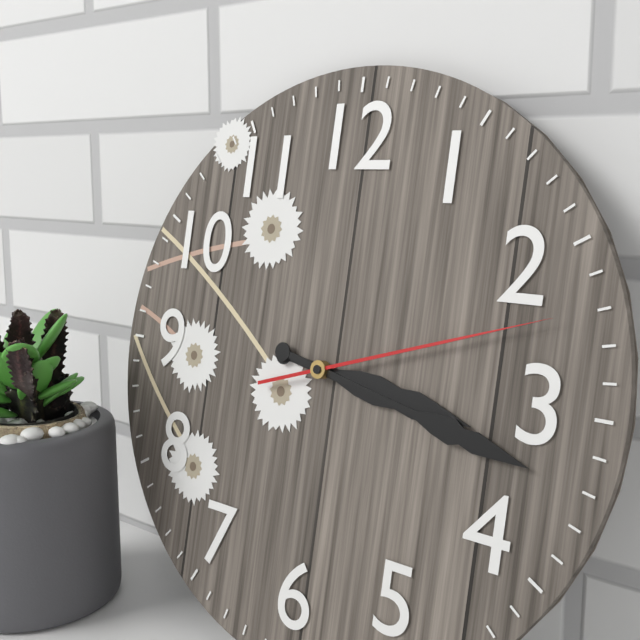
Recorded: h=3 m=17 s=12
